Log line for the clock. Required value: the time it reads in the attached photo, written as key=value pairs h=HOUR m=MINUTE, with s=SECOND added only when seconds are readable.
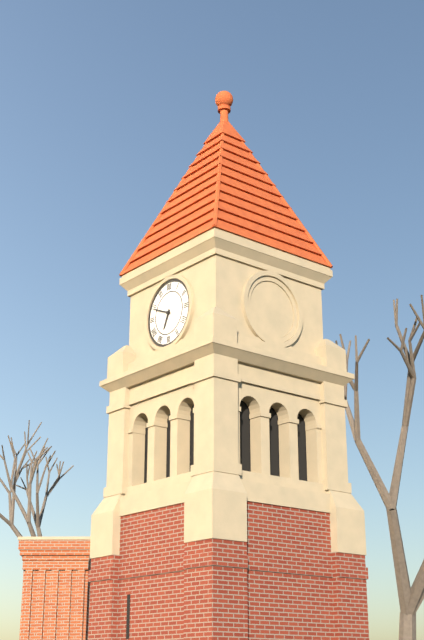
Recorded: h=6 m=49
